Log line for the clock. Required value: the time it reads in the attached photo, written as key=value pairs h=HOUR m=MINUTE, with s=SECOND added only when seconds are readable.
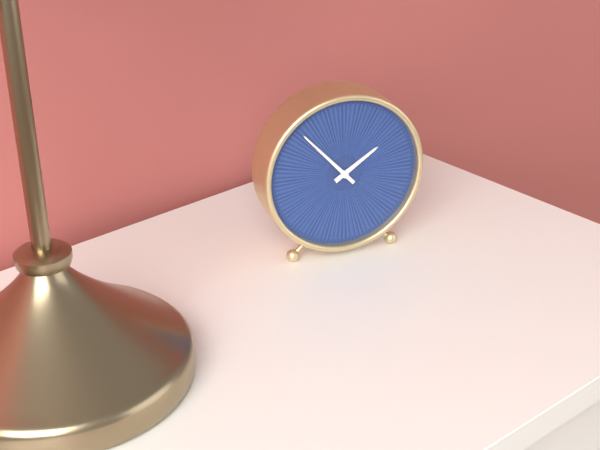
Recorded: h=1 m=53
